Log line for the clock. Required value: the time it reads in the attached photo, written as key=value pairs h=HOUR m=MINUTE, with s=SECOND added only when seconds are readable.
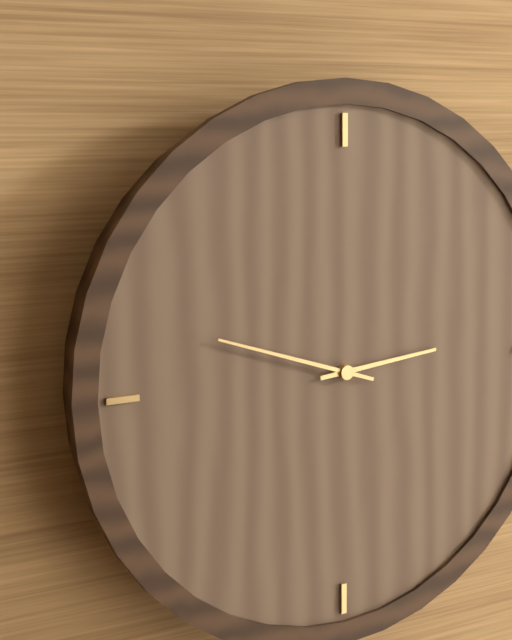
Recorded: h=2 m=48
